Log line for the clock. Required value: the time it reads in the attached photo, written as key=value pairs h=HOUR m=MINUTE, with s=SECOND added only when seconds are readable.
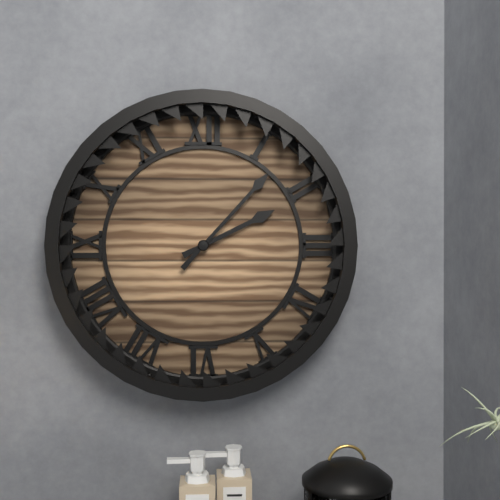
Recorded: h=2 m=7
